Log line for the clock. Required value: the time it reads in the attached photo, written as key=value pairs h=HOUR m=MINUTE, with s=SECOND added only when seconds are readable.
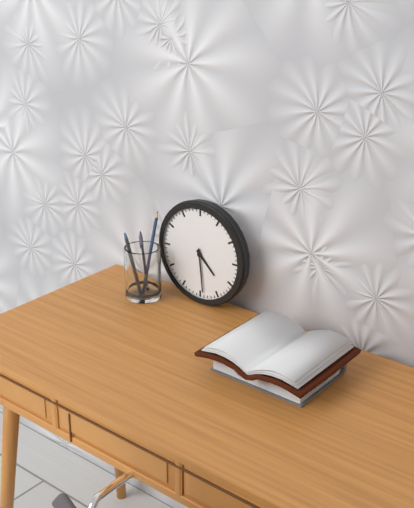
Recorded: h=4 m=29
